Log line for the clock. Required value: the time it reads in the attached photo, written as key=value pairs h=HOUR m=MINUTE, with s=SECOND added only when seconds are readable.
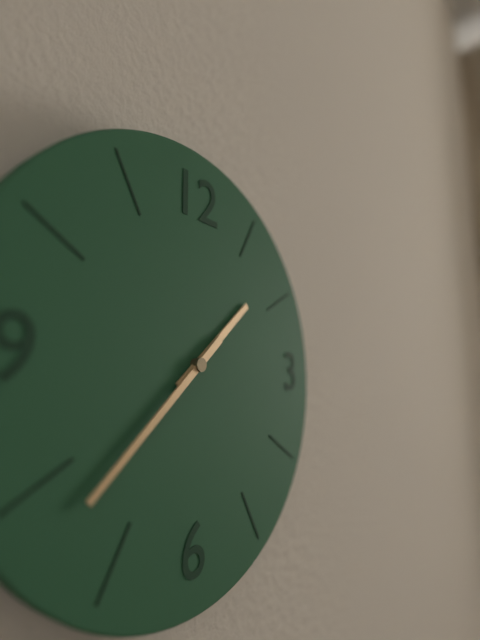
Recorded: h=1 m=38
